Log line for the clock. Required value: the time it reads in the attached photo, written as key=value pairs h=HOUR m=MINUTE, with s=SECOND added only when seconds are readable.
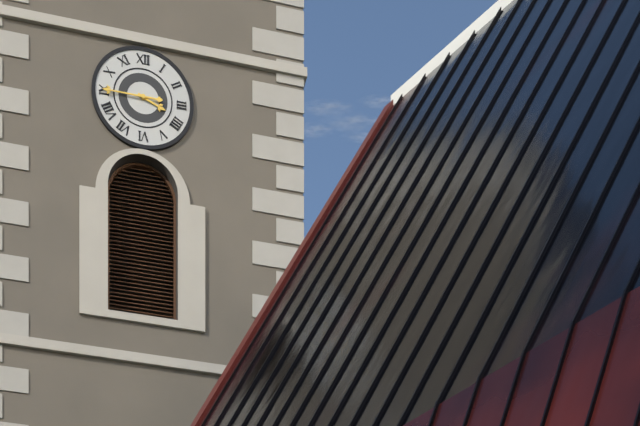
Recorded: h=3 m=45
